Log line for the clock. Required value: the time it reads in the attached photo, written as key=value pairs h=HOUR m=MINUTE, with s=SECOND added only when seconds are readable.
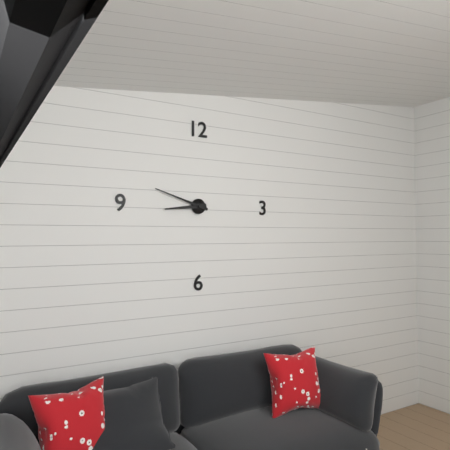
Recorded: h=8 m=48
